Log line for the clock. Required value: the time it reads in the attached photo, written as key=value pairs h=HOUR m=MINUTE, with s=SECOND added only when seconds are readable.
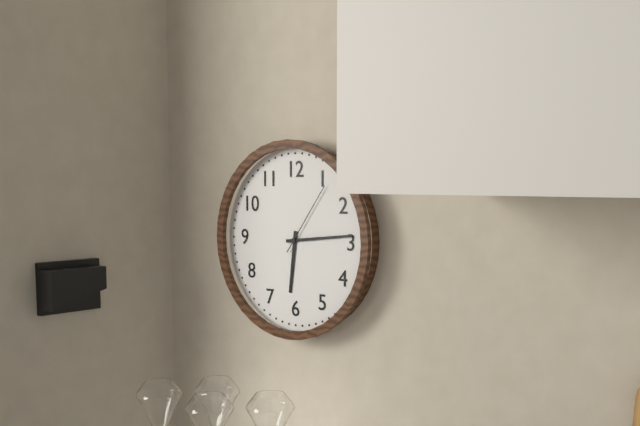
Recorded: h=6 m=14 s=6
